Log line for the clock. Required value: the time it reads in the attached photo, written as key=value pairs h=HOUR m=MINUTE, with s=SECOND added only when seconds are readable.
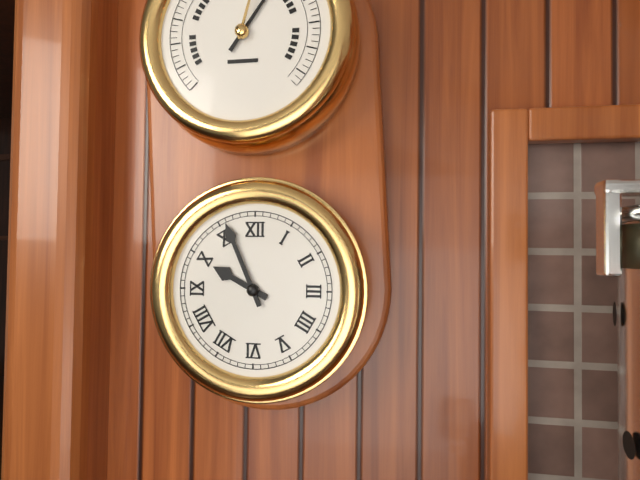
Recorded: h=9 m=56
